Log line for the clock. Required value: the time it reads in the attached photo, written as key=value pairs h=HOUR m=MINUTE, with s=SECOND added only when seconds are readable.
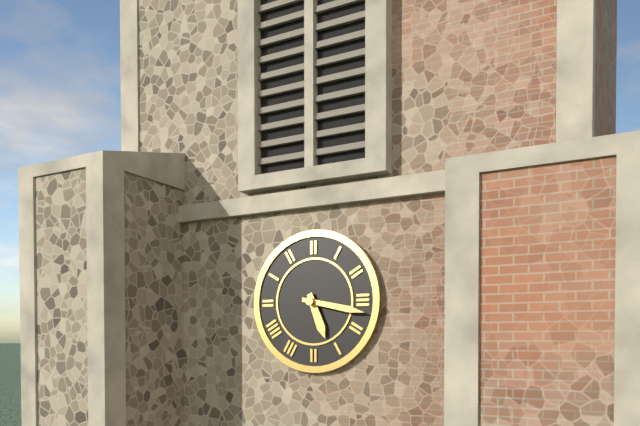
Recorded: h=5 m=17
